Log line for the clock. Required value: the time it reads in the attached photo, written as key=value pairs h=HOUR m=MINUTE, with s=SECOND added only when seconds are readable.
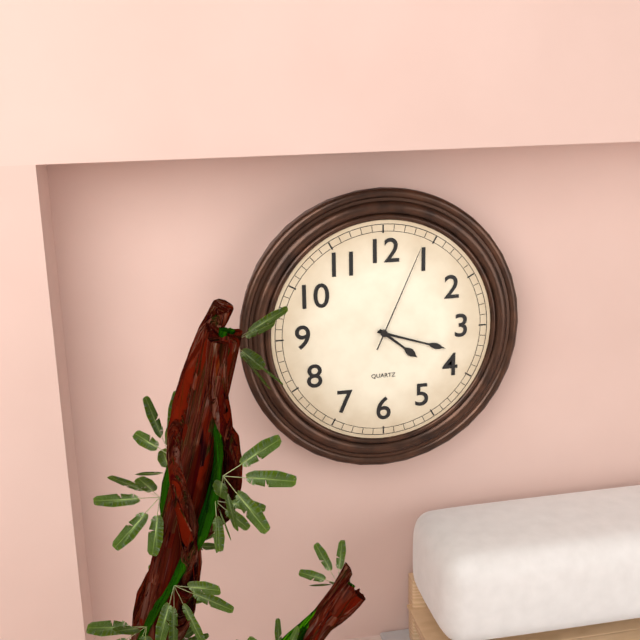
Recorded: h=4 m=18 s=4
